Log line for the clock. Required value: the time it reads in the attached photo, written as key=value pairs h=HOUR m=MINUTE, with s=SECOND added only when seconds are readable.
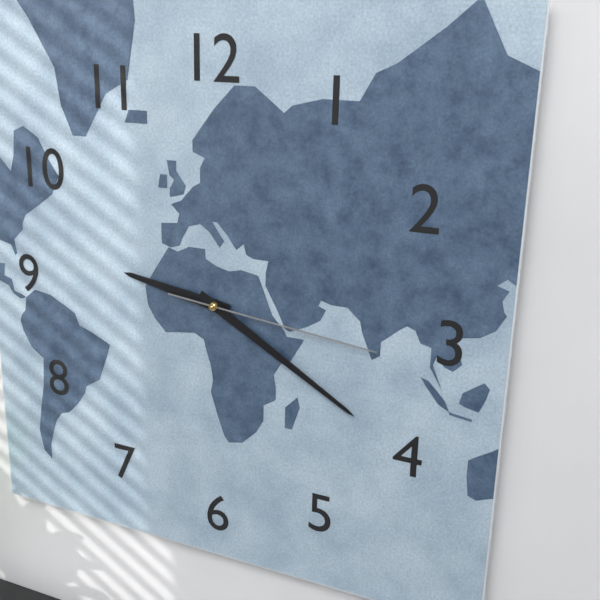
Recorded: h=9 m=20 s=16
